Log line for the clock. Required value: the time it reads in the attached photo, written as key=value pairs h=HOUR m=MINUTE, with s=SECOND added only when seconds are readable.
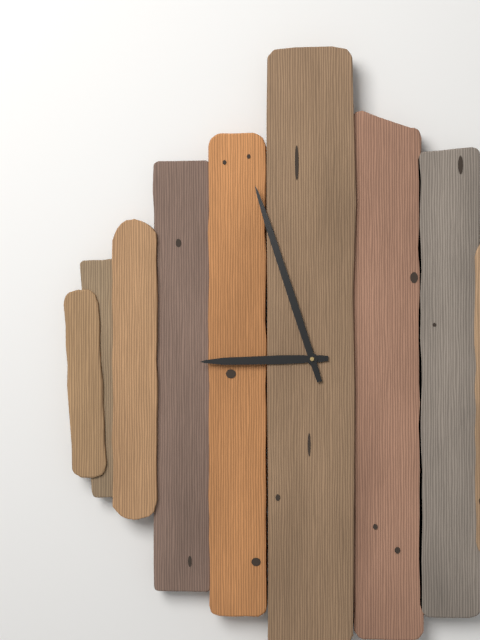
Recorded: h=8 m=57
